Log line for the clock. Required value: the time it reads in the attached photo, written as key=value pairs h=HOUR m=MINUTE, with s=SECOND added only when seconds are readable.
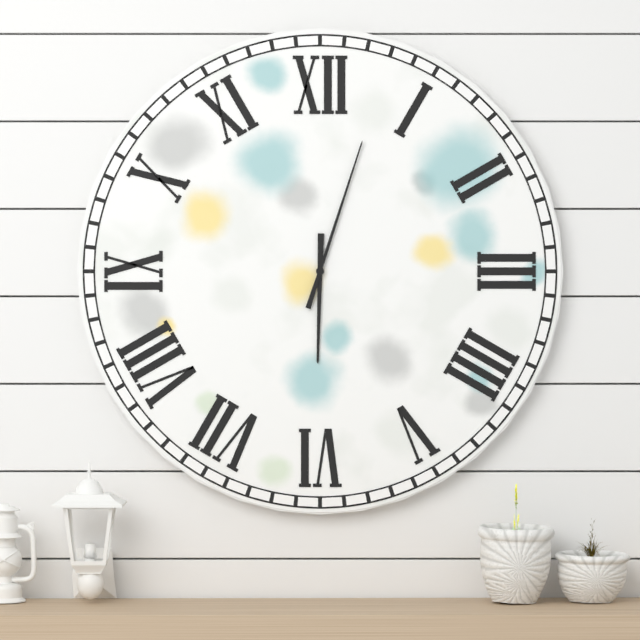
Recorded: h=6 m=3
